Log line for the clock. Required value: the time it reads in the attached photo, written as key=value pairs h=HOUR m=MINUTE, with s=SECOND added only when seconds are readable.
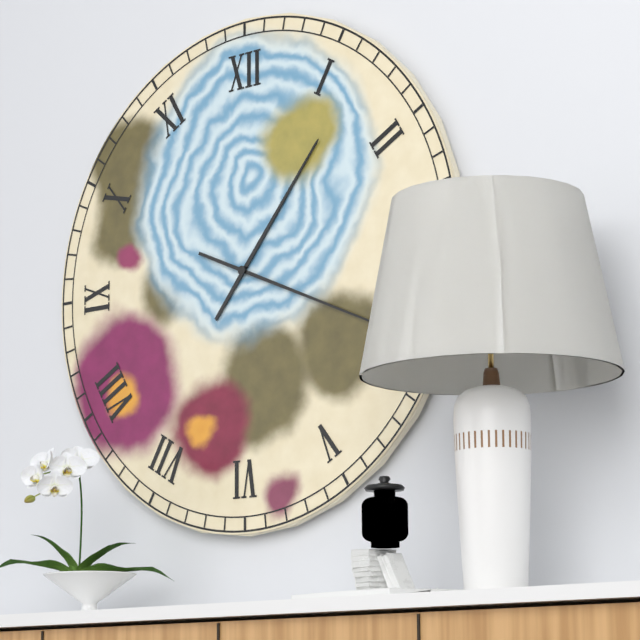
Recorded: h=1 m=19
